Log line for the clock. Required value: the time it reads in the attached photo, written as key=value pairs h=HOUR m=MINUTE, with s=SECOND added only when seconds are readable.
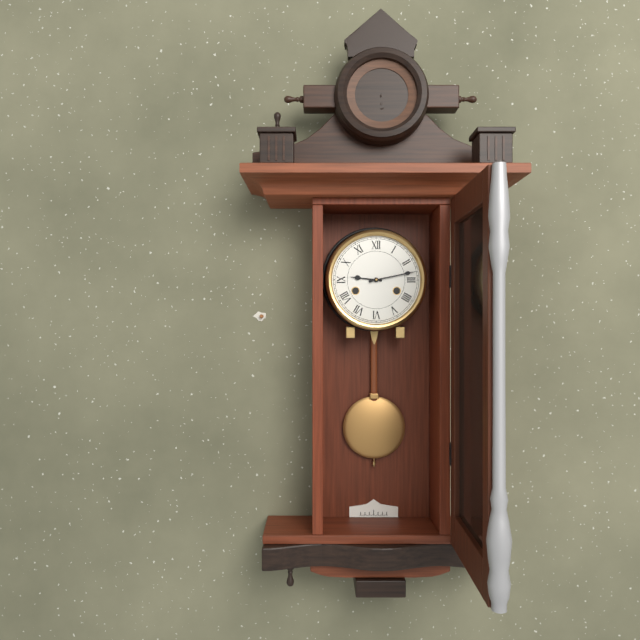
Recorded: h=9 m=13
